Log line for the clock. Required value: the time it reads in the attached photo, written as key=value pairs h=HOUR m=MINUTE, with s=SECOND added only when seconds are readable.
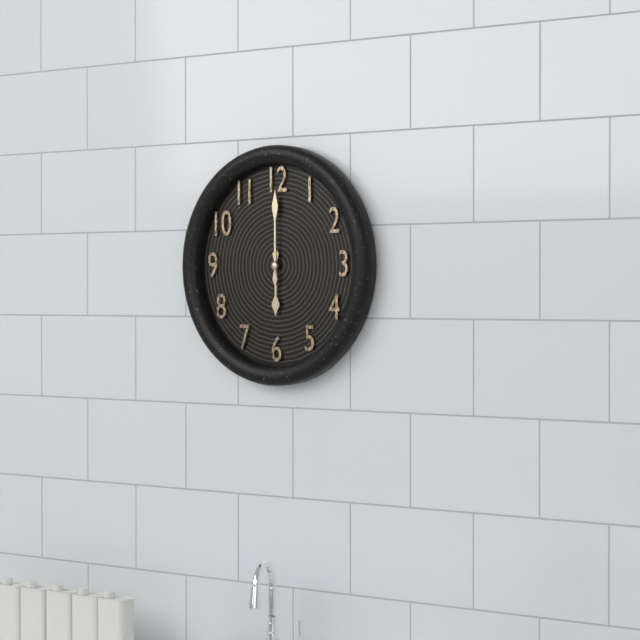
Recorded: h=6 m=0
